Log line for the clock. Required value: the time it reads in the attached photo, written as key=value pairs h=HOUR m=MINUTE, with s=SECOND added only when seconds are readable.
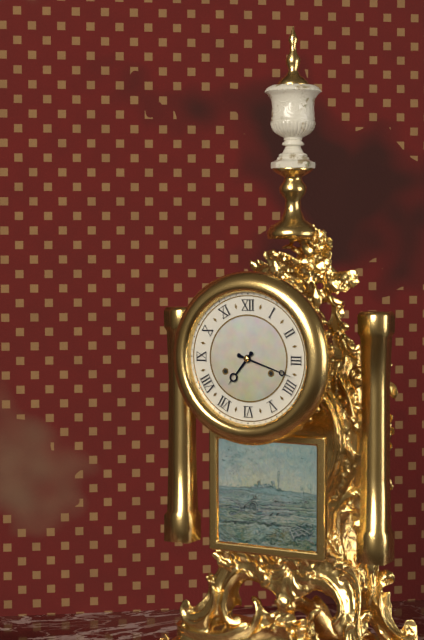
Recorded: h=7 m=18
